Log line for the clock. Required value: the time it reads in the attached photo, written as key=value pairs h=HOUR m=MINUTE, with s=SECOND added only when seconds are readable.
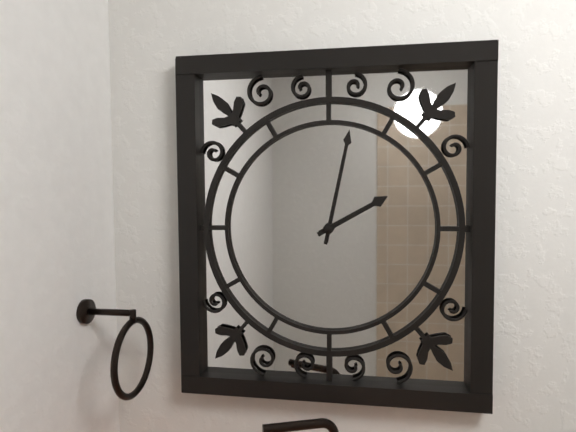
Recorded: h=2 m=2
